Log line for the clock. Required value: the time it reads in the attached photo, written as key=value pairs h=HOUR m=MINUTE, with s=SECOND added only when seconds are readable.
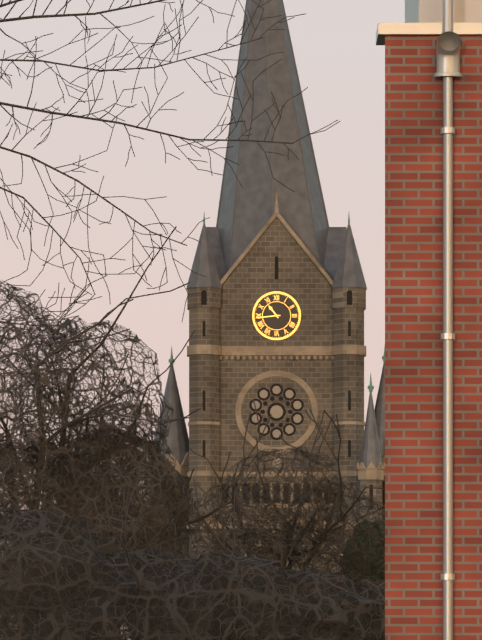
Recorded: h=10 m=44
